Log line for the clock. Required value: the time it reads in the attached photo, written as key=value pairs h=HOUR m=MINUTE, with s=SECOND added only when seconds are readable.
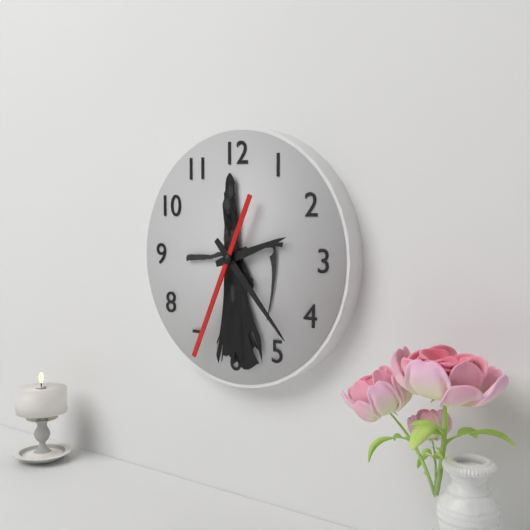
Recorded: h=2 m=23 s=34
